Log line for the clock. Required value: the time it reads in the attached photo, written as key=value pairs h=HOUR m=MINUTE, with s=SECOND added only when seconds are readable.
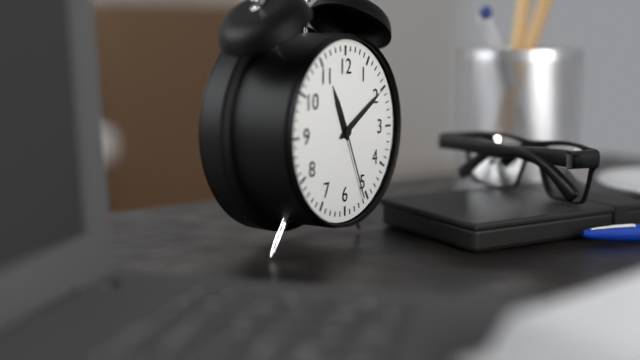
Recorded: h=11 m=10 s=26
